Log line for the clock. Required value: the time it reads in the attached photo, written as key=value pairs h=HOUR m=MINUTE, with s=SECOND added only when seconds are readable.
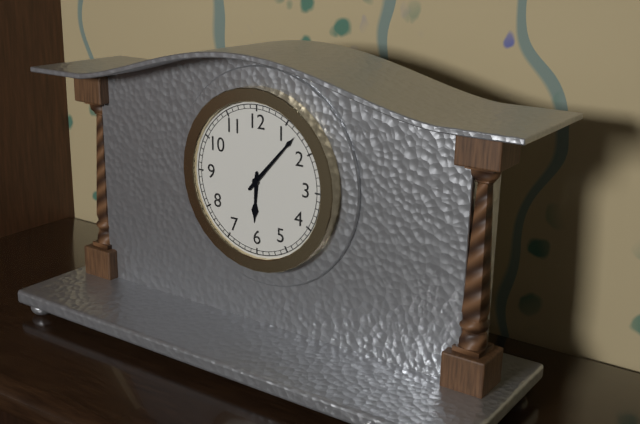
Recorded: h=6 m=7
